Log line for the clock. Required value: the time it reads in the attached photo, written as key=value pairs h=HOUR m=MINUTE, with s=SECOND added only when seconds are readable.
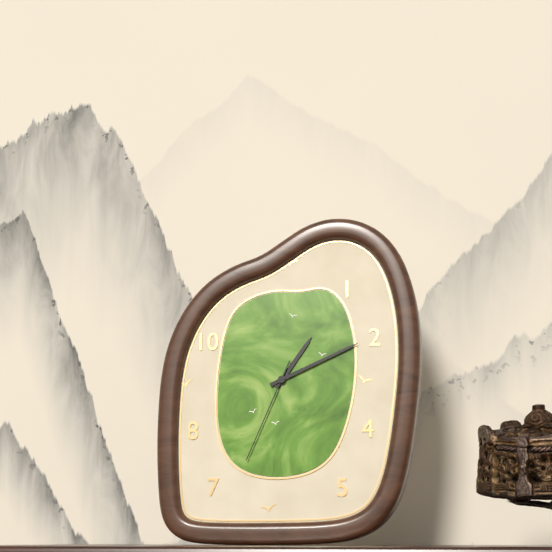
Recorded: h=1 m=11 s=34
